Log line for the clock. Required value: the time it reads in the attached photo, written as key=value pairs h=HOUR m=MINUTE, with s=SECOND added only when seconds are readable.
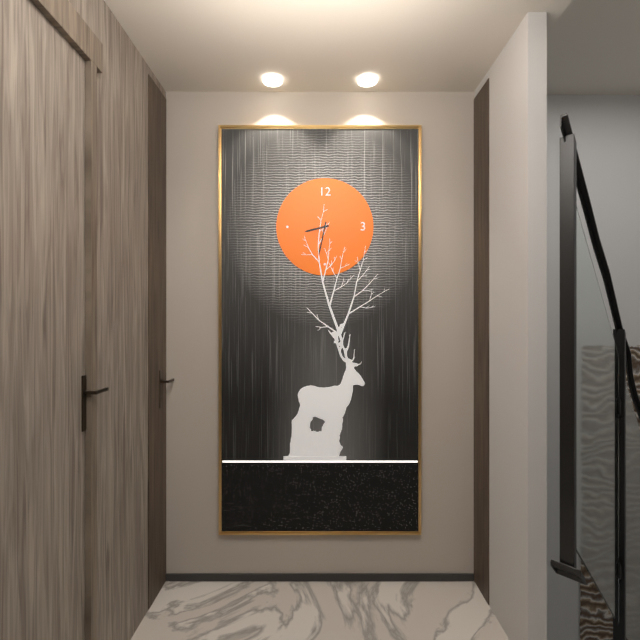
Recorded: h=8 m=32
